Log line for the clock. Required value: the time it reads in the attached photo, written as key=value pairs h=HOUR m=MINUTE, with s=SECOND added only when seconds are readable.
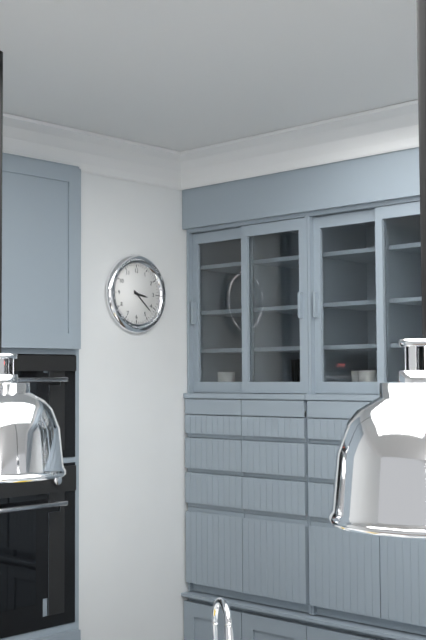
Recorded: h=3 m=22
